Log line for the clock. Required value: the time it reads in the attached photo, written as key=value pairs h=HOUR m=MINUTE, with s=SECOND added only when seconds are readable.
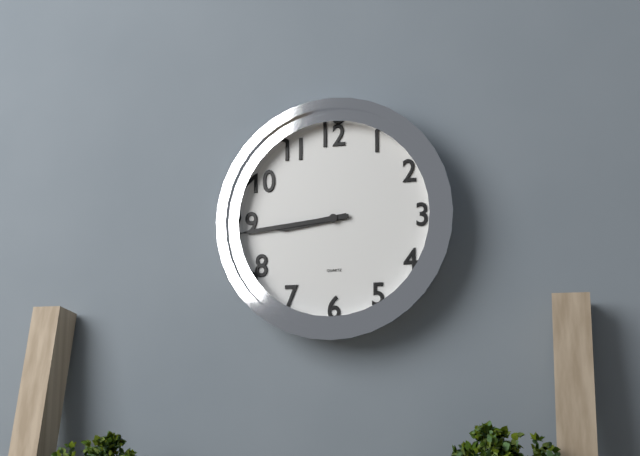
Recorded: h=8 m=44
